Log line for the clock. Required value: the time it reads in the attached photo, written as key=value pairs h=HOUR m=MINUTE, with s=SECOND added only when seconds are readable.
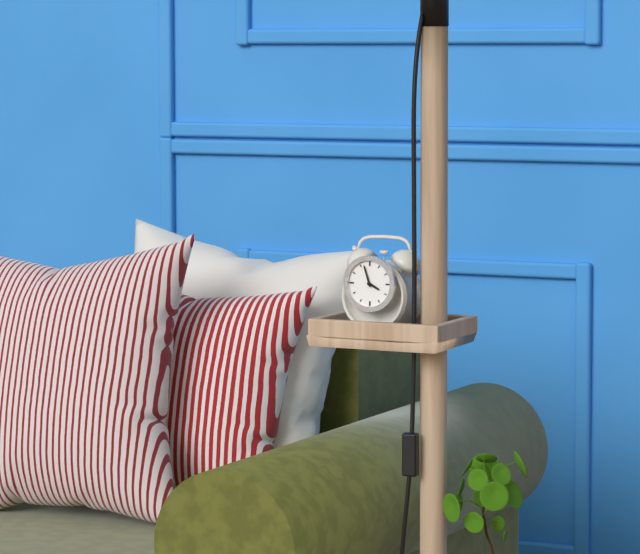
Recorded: h=3 m=57
